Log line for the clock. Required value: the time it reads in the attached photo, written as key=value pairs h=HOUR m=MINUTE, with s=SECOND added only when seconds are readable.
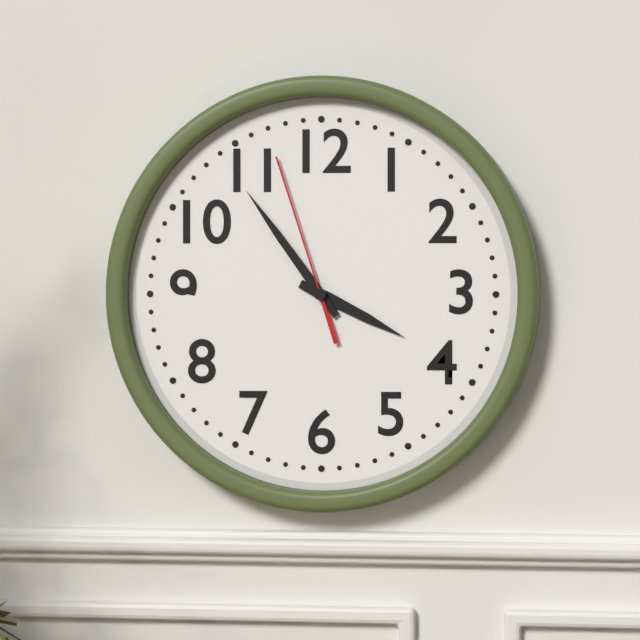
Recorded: h=3 m=54 s=57
